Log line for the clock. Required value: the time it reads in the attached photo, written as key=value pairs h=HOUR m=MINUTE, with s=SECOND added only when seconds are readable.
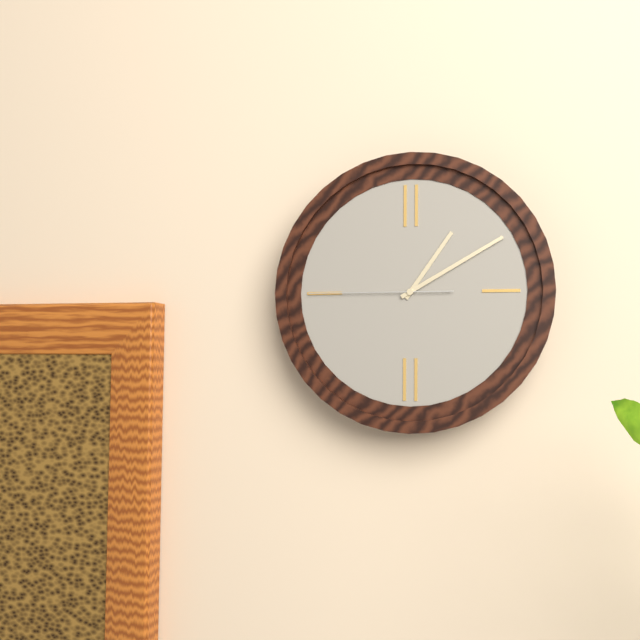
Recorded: h=1 m=10 s=45
